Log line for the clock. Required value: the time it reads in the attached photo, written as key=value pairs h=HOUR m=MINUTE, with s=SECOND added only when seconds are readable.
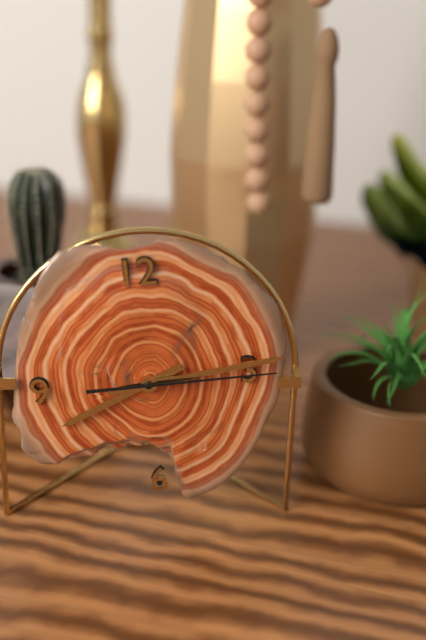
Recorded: h=8 m=14 s=15
